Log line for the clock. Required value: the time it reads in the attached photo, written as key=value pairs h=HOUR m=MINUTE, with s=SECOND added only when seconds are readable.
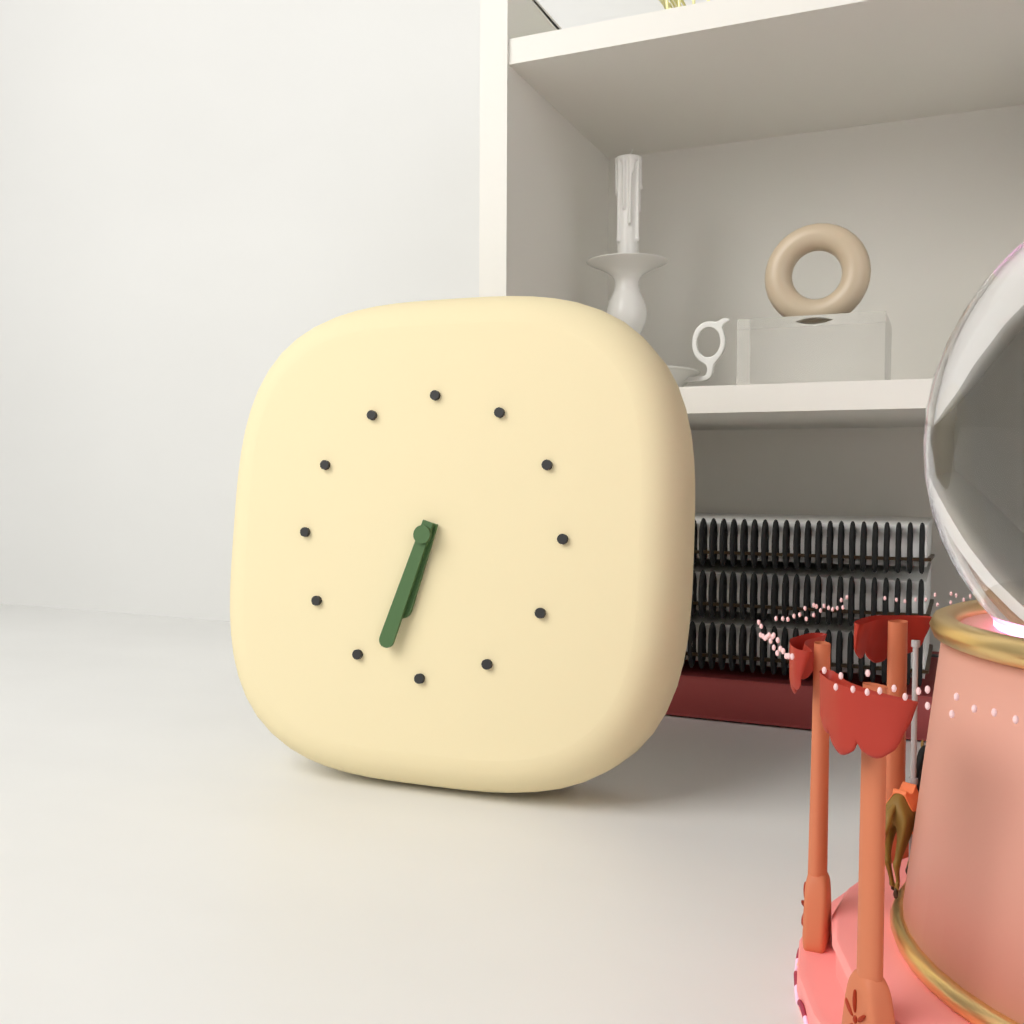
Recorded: h=6 m=33
